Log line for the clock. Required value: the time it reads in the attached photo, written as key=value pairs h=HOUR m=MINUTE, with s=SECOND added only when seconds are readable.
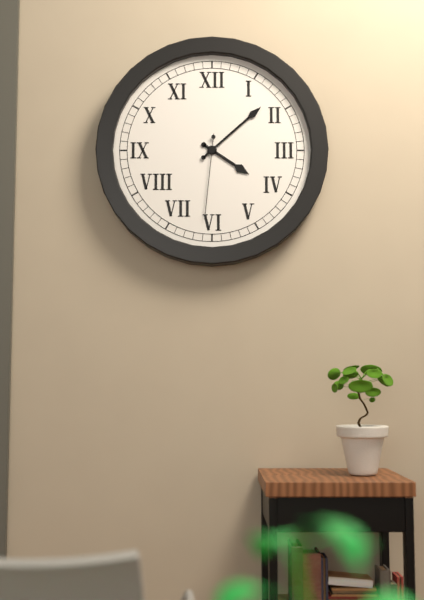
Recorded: h=4 m=8 s=31
